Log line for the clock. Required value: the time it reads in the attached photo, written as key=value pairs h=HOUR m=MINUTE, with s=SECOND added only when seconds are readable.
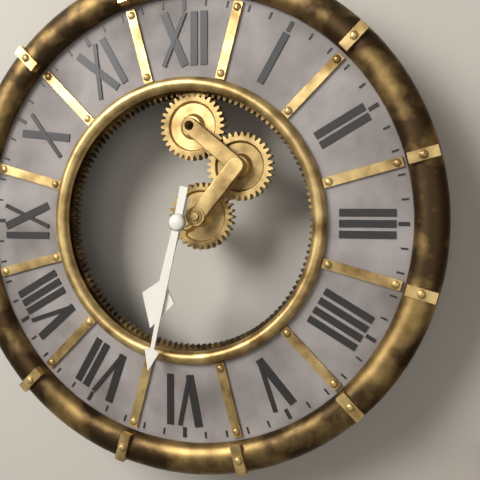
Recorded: h=6 m=32
